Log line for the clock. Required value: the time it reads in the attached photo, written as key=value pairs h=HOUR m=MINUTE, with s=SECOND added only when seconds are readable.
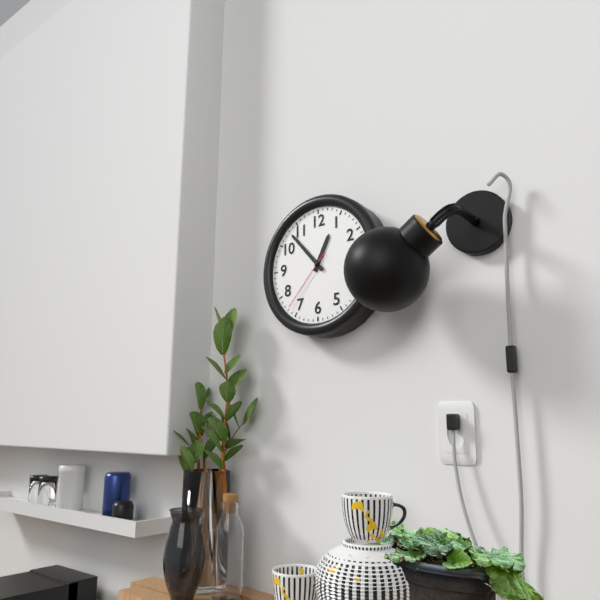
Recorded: h=12 m=53 s=37
